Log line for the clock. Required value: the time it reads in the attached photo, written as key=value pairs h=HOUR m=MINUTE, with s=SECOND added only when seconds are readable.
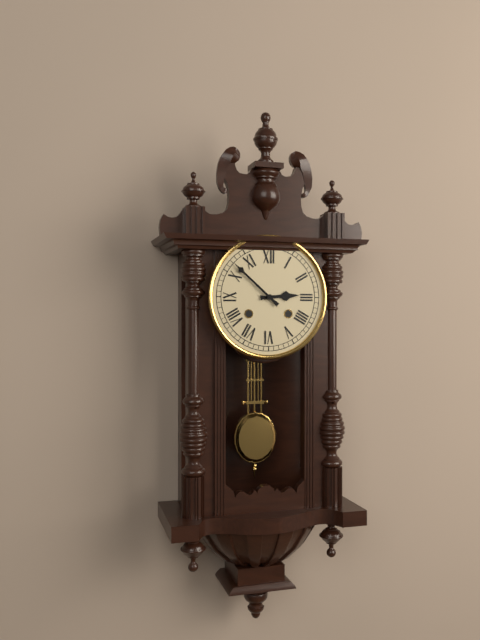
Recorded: h=2 m=52
